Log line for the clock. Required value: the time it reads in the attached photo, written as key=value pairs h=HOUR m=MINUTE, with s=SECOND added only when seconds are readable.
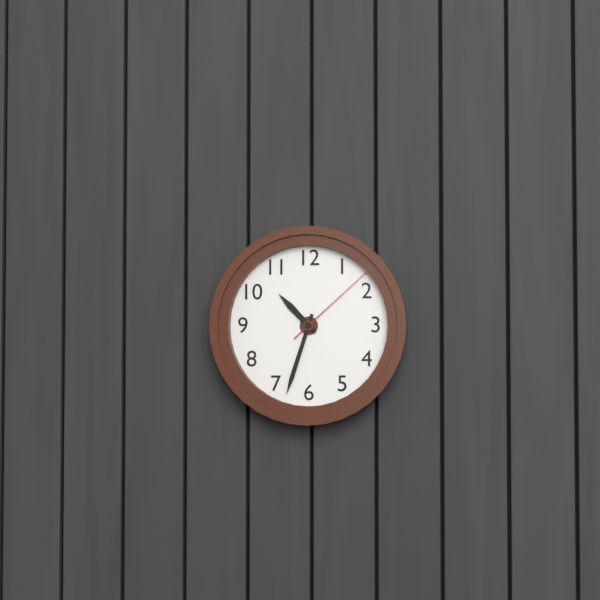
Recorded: h=10 m=33 s=8
